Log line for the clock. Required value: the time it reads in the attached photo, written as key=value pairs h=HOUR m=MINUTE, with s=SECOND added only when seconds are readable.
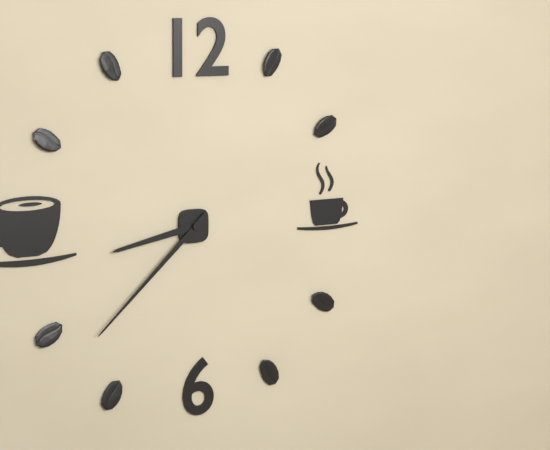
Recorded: h=8 m=38
